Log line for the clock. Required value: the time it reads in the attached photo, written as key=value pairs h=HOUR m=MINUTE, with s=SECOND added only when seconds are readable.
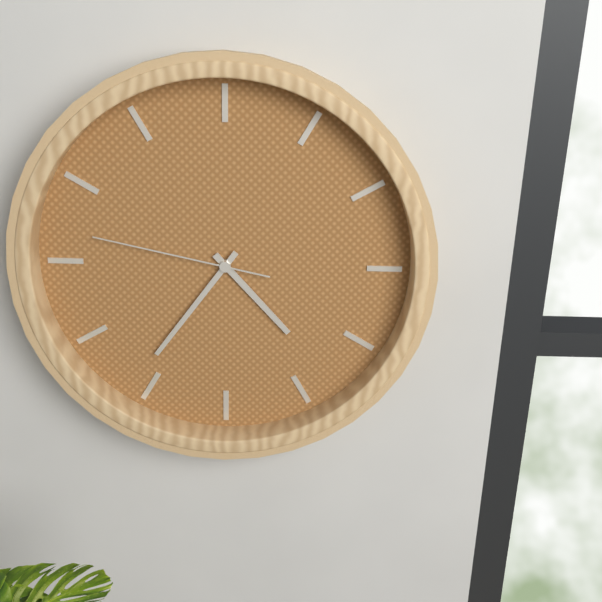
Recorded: h=4 m=36 s=47
